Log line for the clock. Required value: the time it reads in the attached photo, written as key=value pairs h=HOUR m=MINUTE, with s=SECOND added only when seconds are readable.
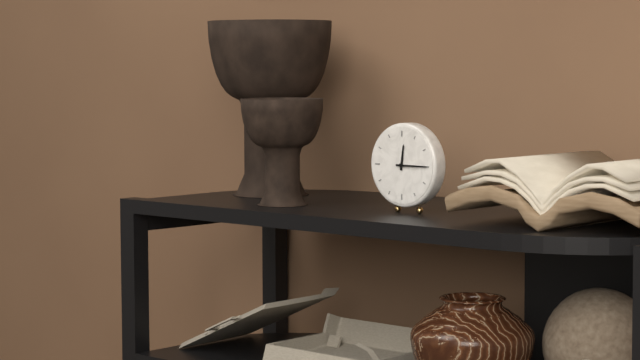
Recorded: h=12 m=15
